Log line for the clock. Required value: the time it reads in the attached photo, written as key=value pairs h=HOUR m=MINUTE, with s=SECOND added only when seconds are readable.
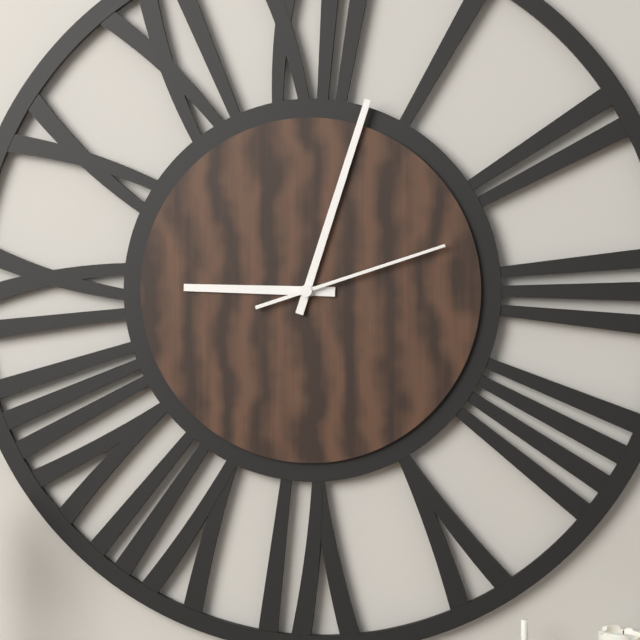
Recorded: h=9 m=3 s=12
